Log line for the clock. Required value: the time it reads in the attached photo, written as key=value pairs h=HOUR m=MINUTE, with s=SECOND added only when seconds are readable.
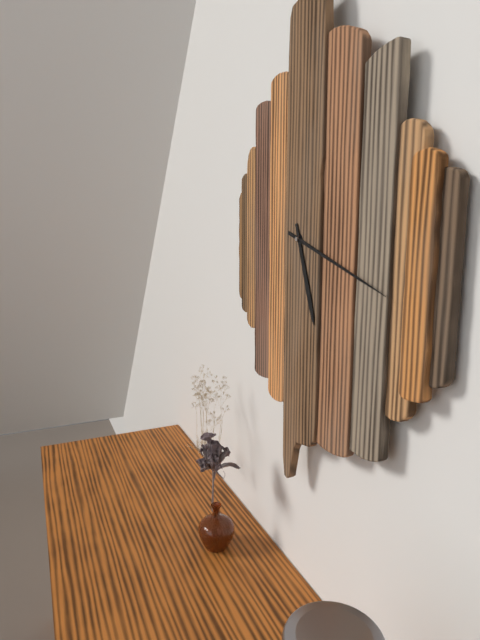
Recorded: h=5 m=18
